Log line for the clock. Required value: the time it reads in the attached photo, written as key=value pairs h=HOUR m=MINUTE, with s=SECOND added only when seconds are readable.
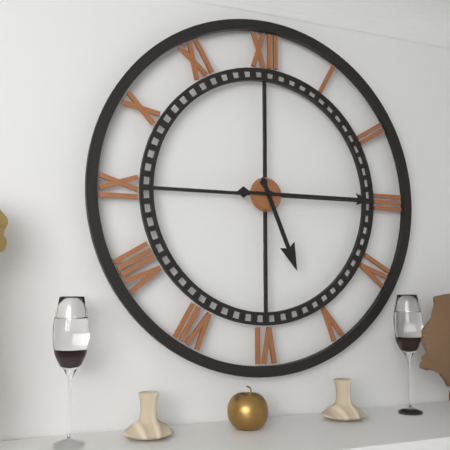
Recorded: h=5 m=15
